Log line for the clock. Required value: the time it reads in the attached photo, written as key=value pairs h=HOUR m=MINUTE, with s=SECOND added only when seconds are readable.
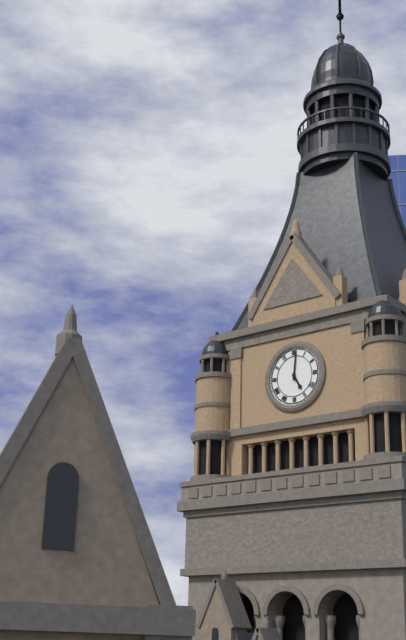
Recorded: h=5 m=1
